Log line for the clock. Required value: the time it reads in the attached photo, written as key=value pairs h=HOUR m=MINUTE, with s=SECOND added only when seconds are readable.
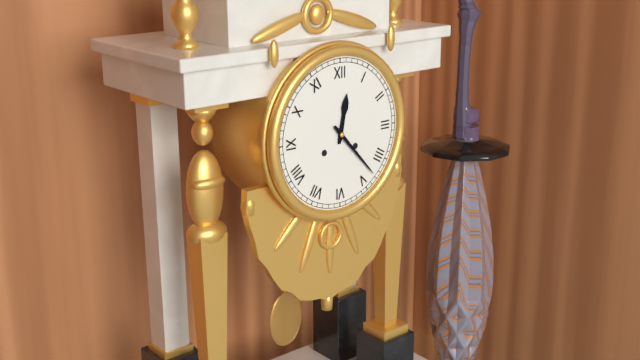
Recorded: h=12 m=23
